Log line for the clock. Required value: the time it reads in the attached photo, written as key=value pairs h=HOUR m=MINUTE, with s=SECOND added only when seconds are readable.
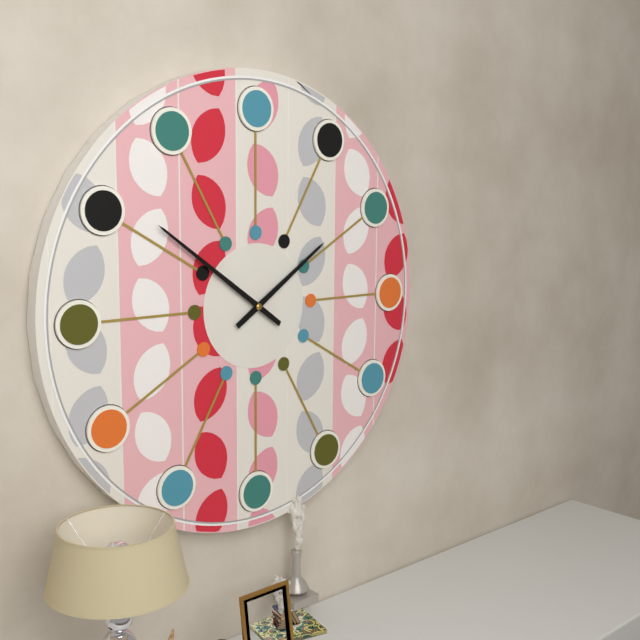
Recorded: h=1 m=51
